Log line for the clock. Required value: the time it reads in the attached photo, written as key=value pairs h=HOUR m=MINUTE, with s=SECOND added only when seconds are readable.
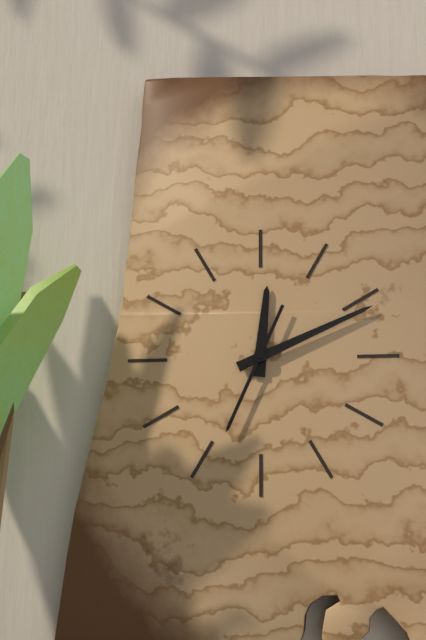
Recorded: h=12 m=11 s=34
